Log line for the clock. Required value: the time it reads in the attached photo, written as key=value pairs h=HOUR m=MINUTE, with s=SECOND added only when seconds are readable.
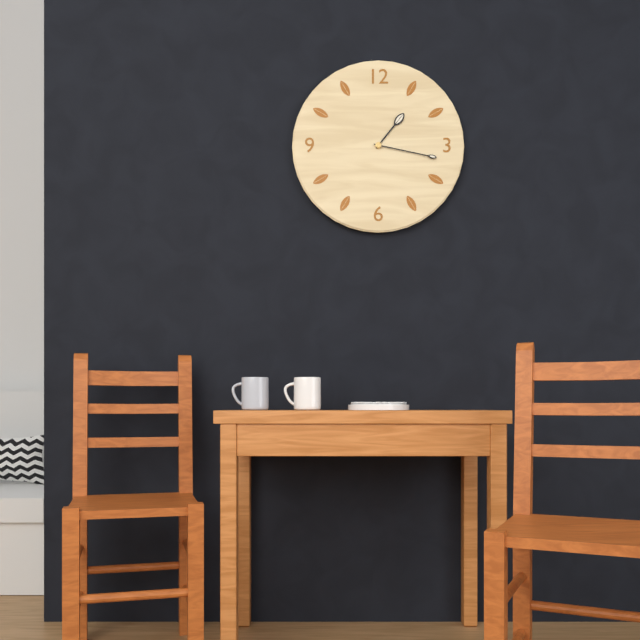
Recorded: h=1 m=17
